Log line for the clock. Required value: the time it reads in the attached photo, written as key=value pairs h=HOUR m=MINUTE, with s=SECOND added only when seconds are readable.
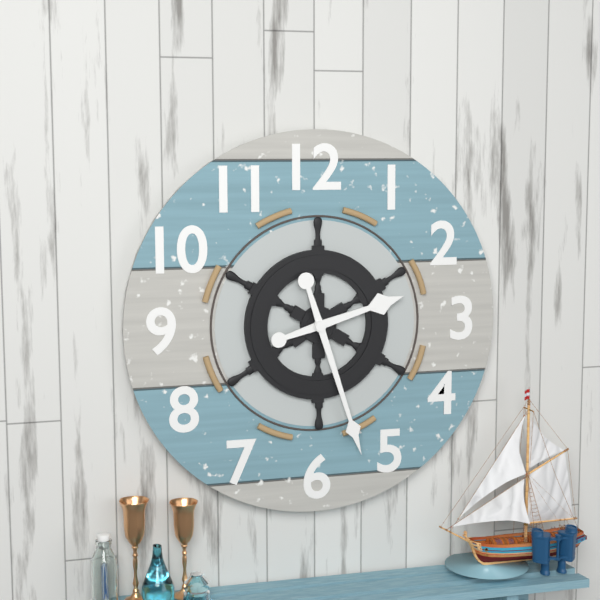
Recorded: h=2 m=27
